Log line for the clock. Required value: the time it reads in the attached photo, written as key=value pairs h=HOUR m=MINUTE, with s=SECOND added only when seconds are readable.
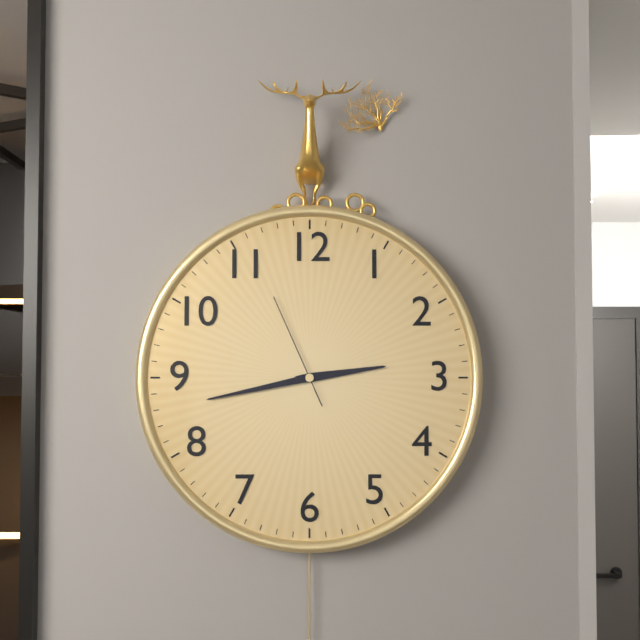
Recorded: h=2 m=43 s=56
